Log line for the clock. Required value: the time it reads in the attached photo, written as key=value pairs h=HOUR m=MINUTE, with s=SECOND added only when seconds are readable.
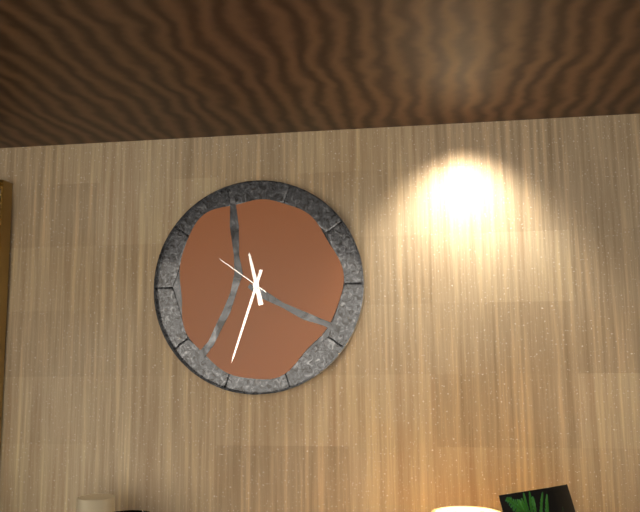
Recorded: h=11 m=33 s=51
